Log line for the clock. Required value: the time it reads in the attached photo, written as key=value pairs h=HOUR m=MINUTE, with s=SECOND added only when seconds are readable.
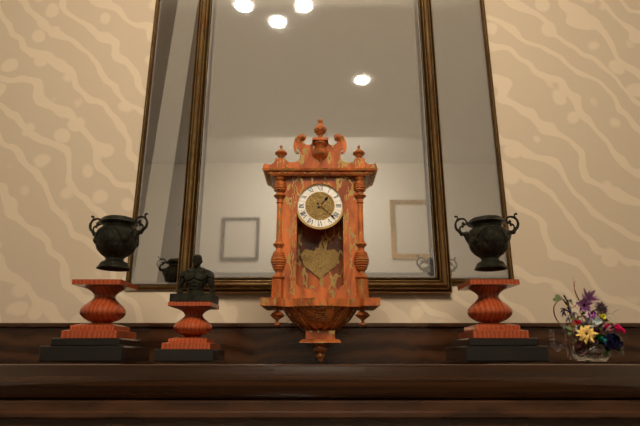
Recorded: h=1 m=22
